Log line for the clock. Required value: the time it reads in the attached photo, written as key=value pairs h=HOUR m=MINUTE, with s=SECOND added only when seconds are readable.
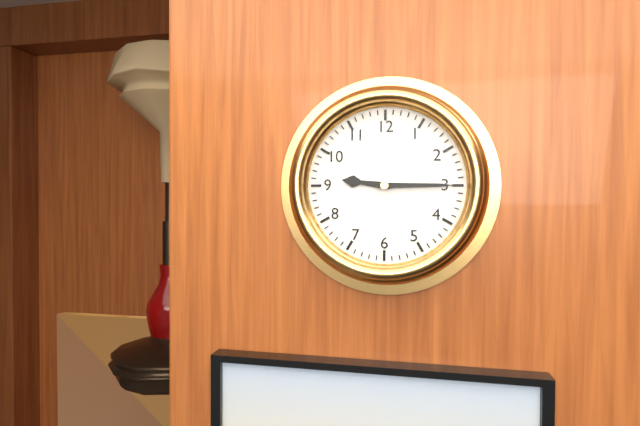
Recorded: h=9 m=15
